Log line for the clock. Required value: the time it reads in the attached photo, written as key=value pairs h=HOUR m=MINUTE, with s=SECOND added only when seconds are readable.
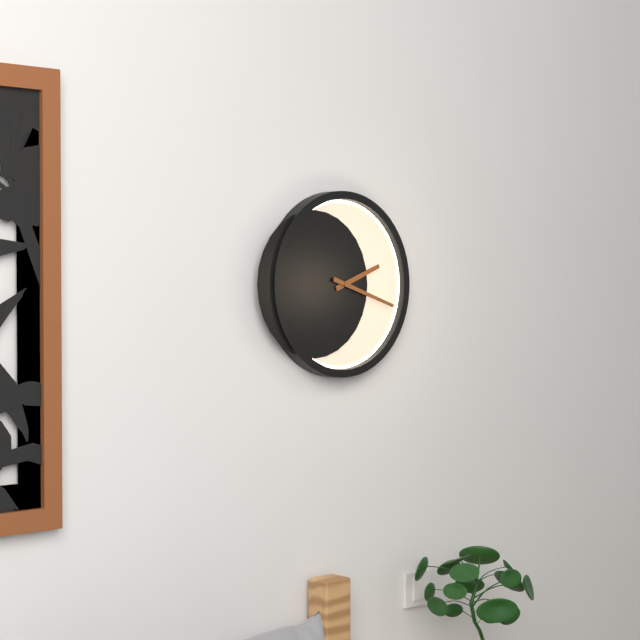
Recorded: h=2 m=18
